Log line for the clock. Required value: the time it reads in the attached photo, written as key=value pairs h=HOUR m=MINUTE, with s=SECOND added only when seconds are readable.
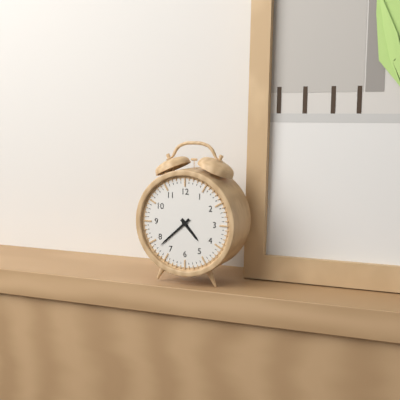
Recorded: h=4 m=38
